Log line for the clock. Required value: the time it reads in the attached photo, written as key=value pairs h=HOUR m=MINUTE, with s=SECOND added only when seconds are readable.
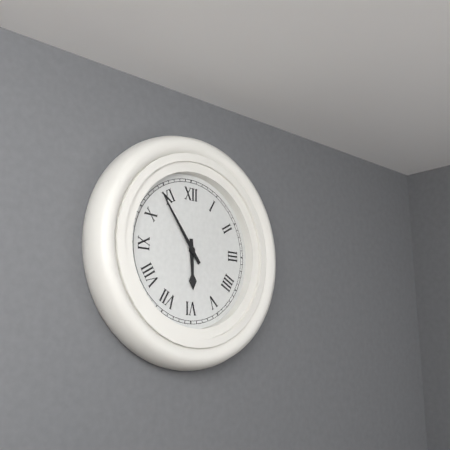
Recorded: h=5 m=54
